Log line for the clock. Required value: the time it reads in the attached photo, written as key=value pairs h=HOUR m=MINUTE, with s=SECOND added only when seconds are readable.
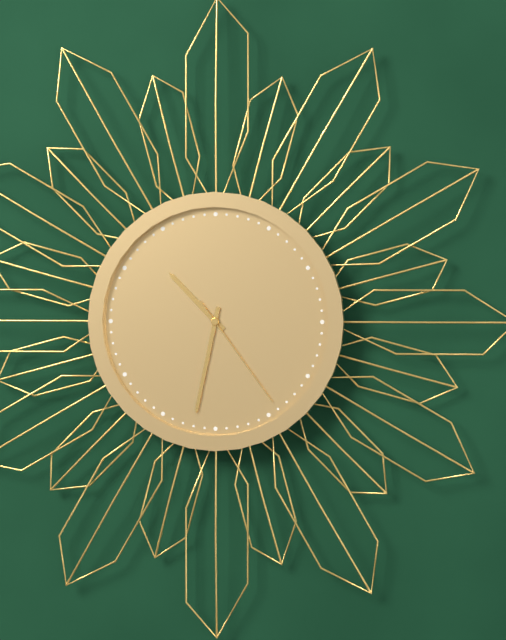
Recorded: h=10 m=32 s=24
